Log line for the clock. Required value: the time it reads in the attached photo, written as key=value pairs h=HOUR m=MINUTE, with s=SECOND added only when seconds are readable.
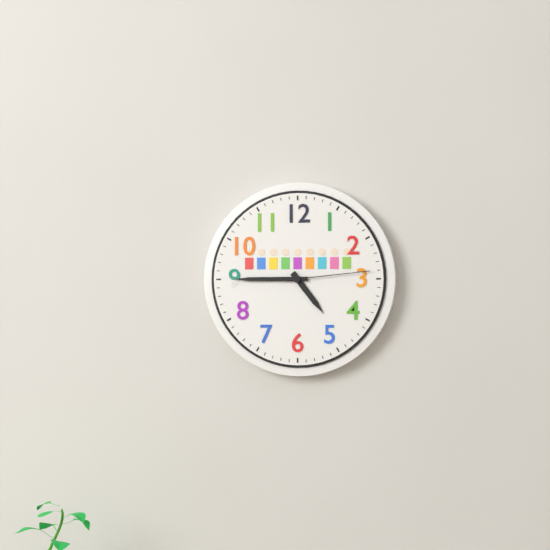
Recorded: h=4 m=45 s=14
